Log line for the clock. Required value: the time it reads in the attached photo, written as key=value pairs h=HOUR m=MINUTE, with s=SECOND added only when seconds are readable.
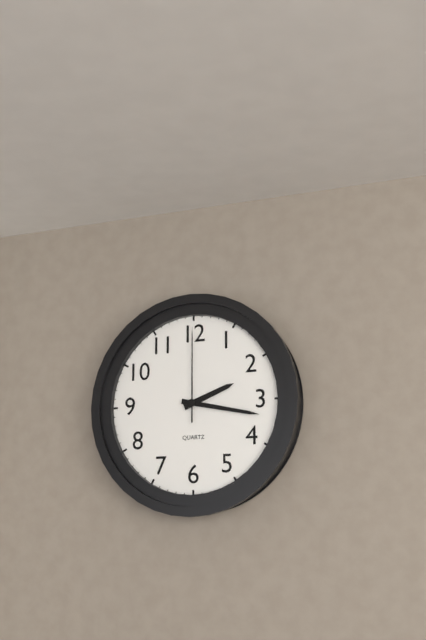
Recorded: h=2 m=17 s=0
